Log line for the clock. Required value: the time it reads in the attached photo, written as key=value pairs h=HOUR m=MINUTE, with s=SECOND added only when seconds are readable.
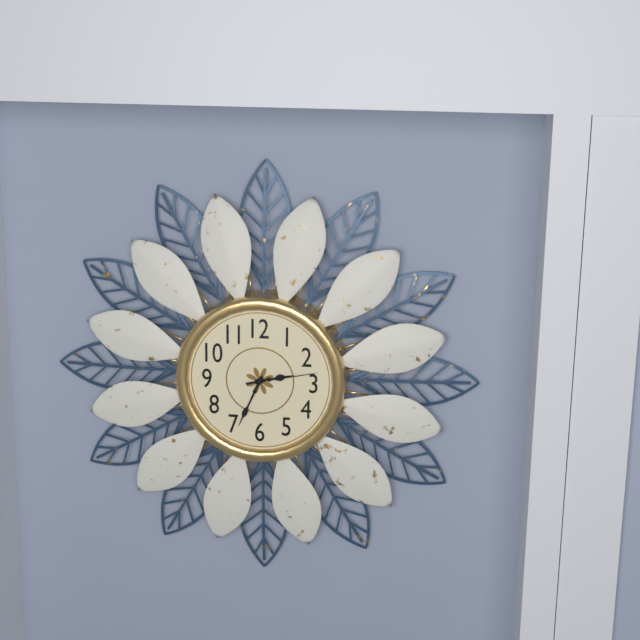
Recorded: h=2 m=34 s=13
